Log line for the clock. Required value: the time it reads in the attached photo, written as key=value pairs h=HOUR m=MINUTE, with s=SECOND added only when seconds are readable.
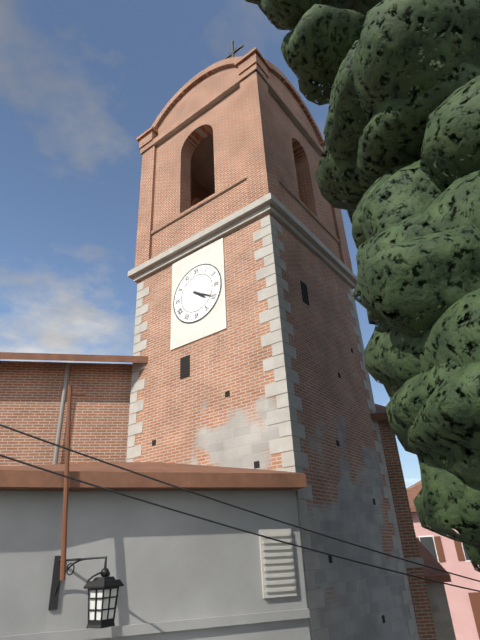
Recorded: h=4 m=20
